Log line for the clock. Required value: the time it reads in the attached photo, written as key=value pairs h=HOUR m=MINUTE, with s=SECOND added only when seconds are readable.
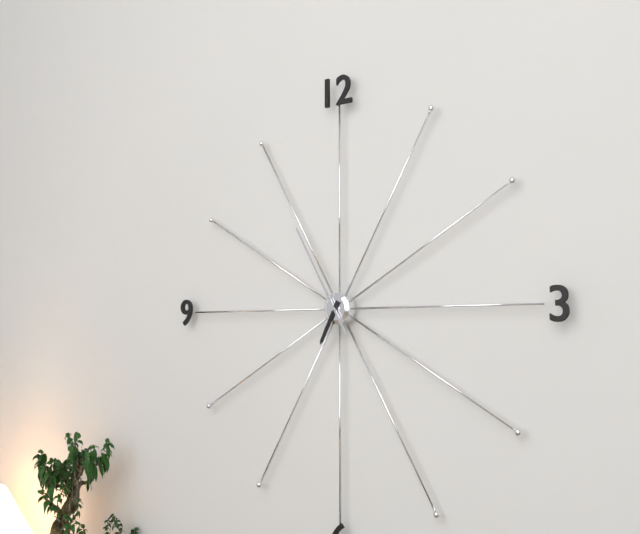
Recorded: h=6 m=55
